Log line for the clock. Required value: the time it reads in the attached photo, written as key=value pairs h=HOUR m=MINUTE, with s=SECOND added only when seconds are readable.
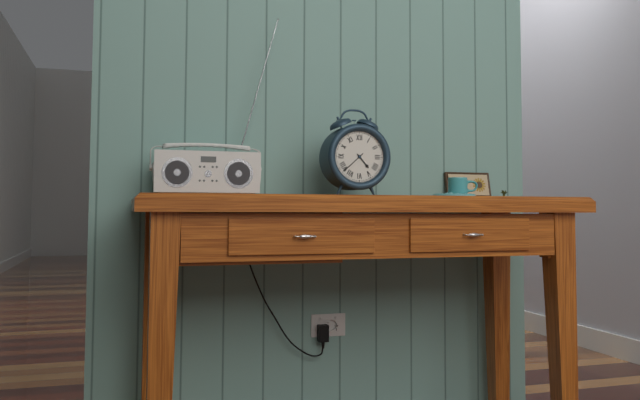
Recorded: h=4 m=38
